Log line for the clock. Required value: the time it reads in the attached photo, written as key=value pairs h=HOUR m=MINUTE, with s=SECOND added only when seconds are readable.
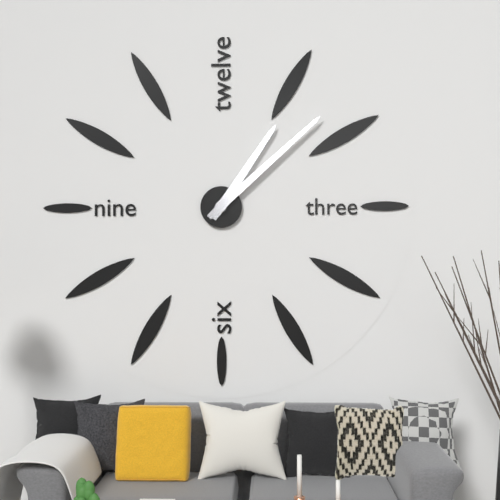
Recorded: h=1 m=8
